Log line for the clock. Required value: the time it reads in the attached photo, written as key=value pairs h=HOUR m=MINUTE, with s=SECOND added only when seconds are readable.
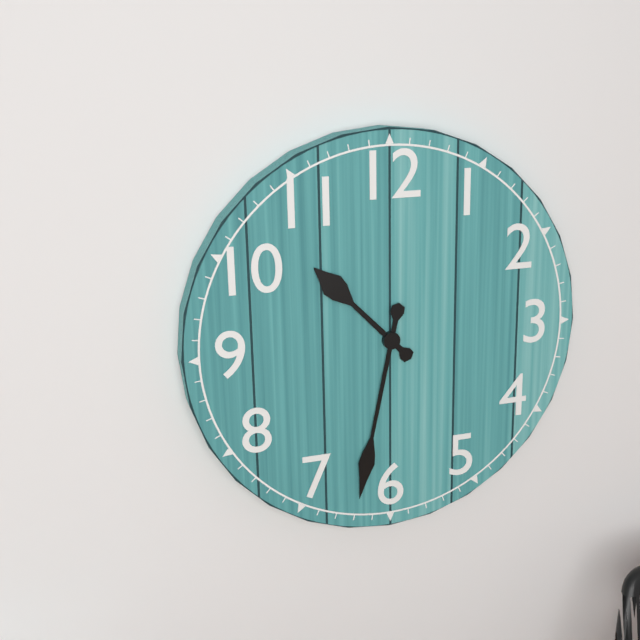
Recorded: h=10 m=32
